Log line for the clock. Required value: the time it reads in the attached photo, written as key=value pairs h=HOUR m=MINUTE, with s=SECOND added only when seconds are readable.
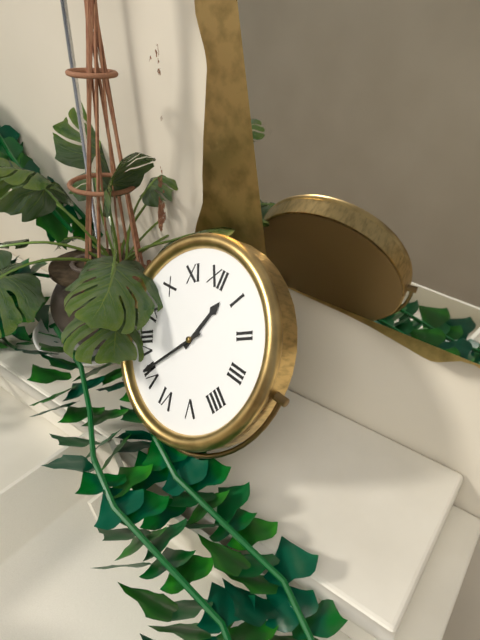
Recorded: h=12 m=36
